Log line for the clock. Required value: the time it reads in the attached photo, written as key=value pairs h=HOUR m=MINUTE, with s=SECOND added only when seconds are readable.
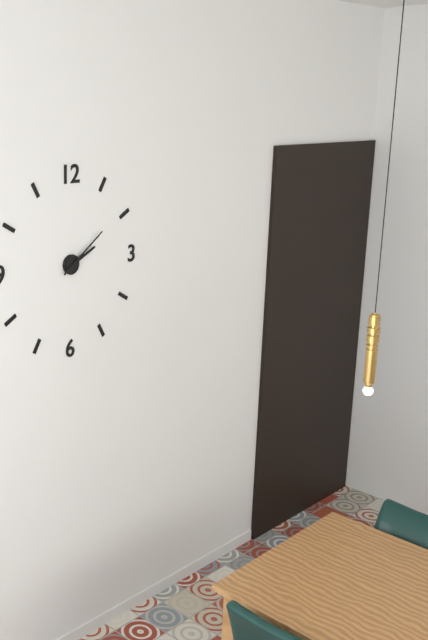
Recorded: h=2 m=9
